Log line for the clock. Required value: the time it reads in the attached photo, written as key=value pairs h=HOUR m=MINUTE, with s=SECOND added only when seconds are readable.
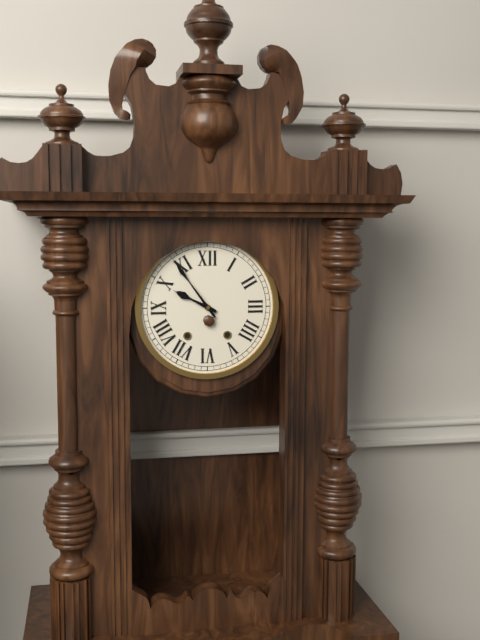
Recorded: h=9 m=54
